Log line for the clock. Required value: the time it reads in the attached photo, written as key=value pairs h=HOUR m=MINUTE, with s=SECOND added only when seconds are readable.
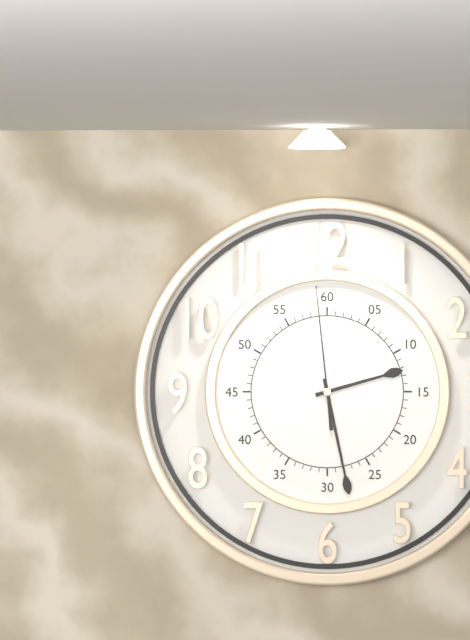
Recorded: h=2 m=28 s=59
